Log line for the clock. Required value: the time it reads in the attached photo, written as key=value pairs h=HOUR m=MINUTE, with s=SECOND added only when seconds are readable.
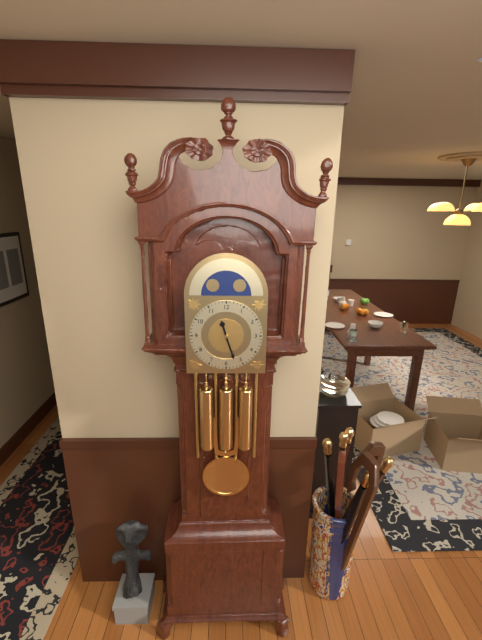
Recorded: h=11 m=27
